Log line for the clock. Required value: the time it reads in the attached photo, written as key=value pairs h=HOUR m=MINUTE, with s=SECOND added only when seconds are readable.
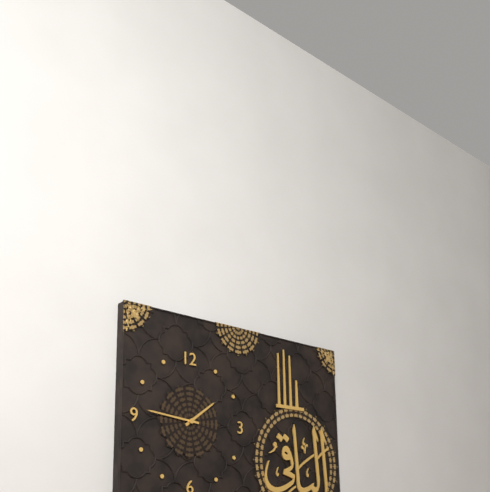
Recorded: h=1 m=46
